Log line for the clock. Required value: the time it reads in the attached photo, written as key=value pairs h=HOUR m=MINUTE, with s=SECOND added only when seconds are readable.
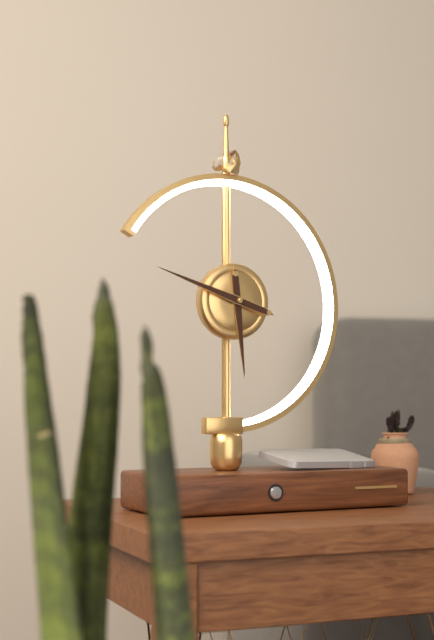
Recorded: h=5 m=48
